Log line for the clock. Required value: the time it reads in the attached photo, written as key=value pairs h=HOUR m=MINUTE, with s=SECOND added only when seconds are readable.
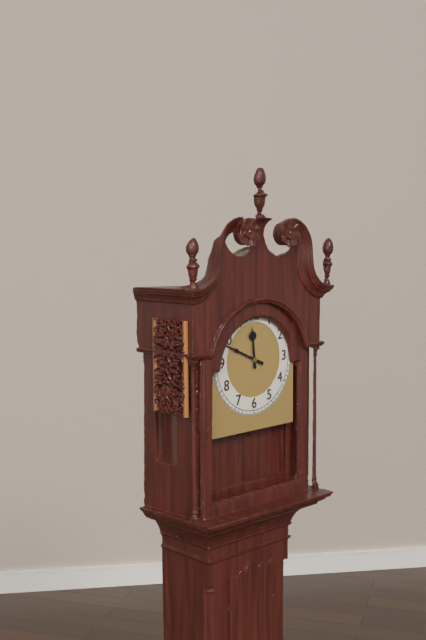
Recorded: h=11 m=49
